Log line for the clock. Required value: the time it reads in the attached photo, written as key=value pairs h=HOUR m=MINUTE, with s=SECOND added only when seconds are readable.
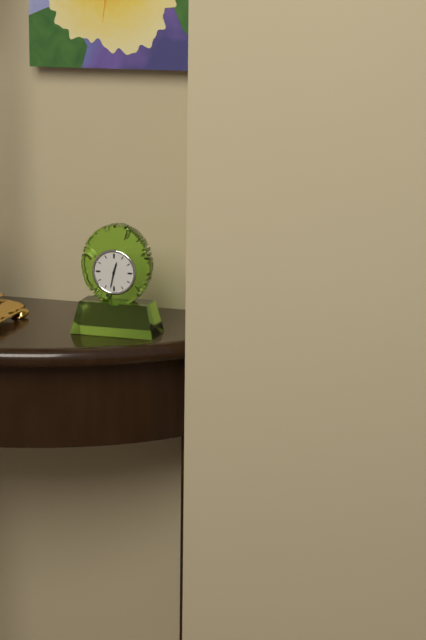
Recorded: h=12 m=32
